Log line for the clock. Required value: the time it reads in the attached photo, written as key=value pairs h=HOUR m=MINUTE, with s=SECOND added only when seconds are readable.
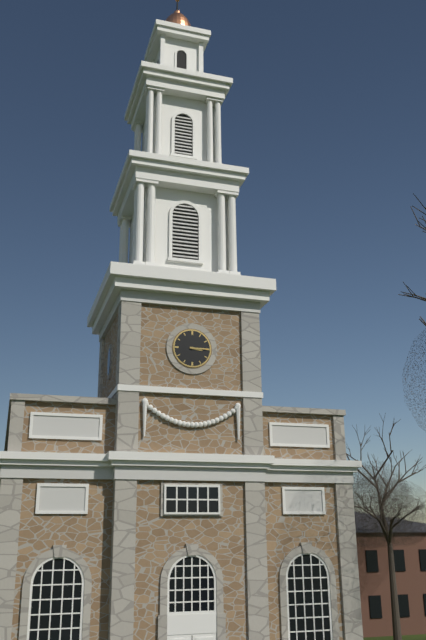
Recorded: h=3 m=15
